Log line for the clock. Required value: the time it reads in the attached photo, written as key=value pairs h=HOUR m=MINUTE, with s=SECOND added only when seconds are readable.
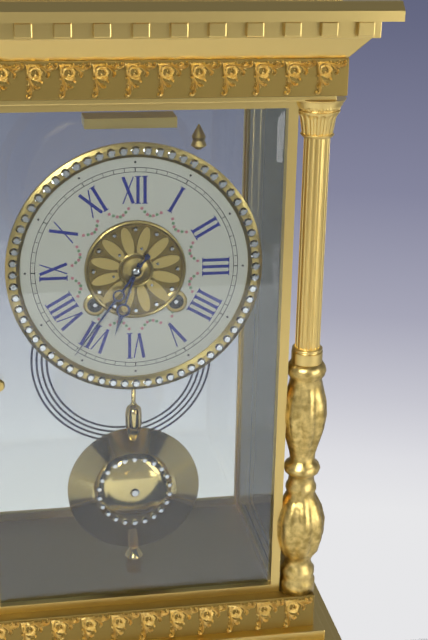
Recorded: h=6 m=36
